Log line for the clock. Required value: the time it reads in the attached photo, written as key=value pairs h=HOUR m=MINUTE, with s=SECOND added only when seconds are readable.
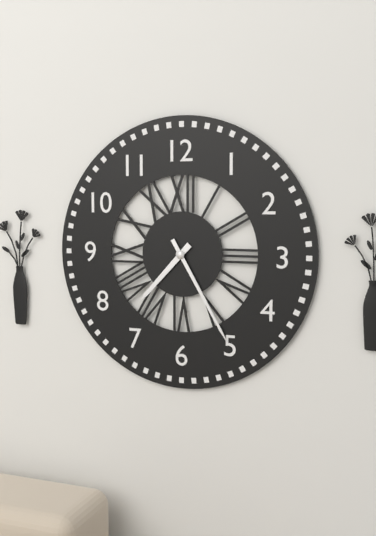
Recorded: h=7 m=25
